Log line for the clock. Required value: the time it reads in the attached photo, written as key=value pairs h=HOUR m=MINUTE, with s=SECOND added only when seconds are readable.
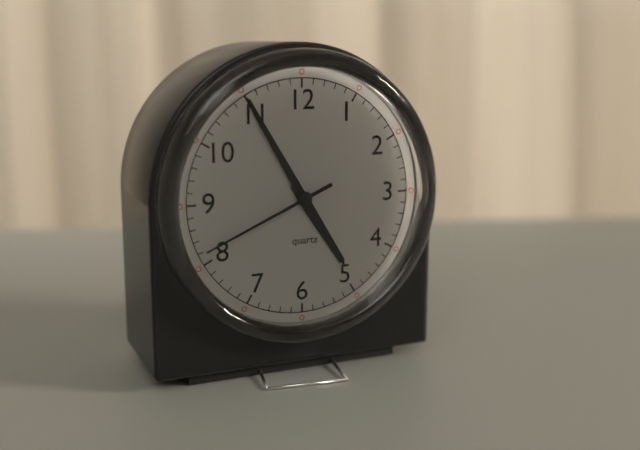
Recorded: h=4 m=55 s=41
